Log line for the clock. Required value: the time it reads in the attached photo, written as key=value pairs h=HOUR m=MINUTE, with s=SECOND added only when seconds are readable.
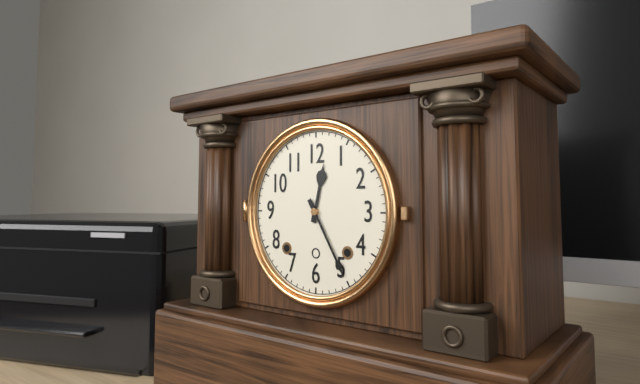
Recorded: h=12 m=25
